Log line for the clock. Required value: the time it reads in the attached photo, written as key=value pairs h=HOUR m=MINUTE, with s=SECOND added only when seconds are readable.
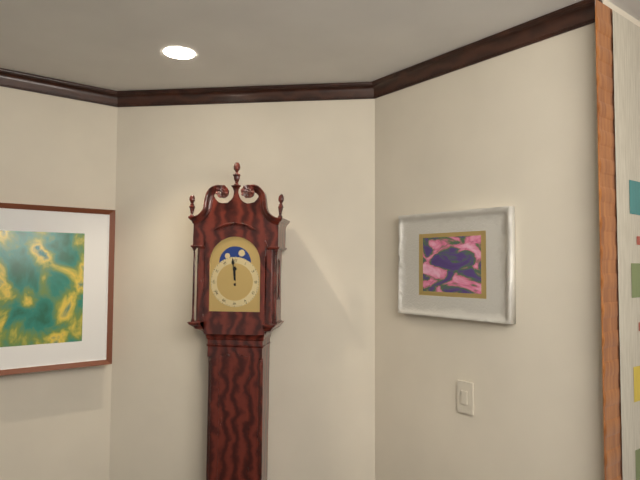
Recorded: h=11 m=59
